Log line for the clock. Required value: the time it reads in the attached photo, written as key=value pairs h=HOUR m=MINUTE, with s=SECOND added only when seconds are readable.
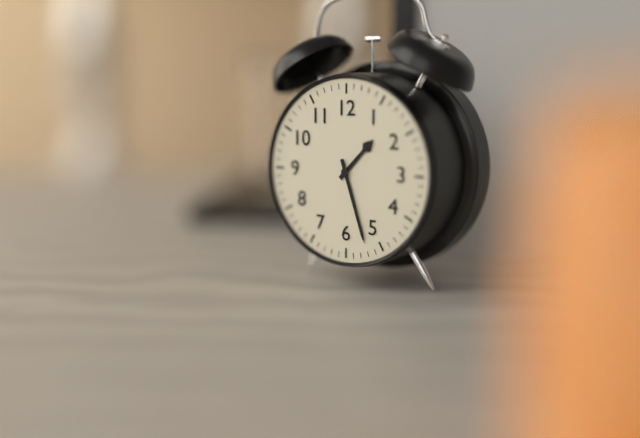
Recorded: h=1 m=27
